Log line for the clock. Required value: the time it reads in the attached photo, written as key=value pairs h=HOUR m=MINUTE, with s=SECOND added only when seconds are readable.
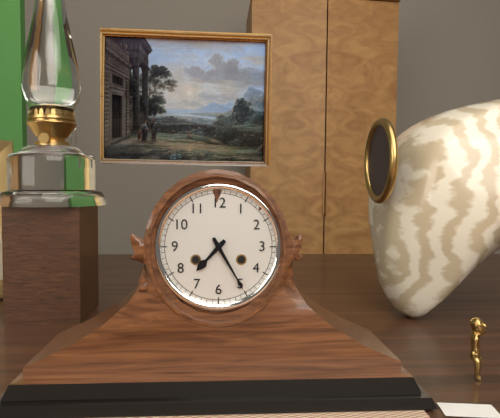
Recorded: h=7 m=25
